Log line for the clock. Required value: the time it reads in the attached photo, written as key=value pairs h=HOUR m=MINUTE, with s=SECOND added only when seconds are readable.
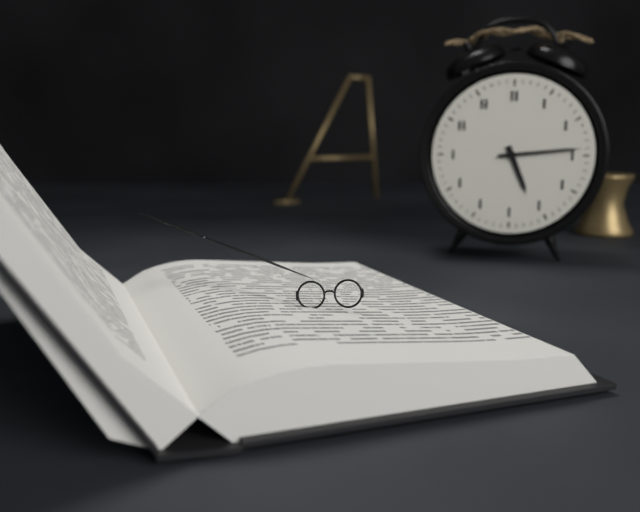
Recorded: h=5 m=14
